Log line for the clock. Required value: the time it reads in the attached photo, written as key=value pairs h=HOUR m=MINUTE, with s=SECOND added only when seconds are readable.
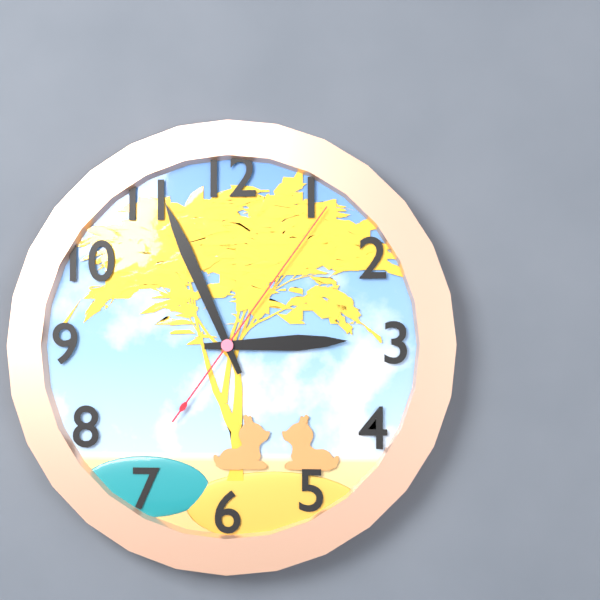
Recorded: h=2 m=56 s=6
